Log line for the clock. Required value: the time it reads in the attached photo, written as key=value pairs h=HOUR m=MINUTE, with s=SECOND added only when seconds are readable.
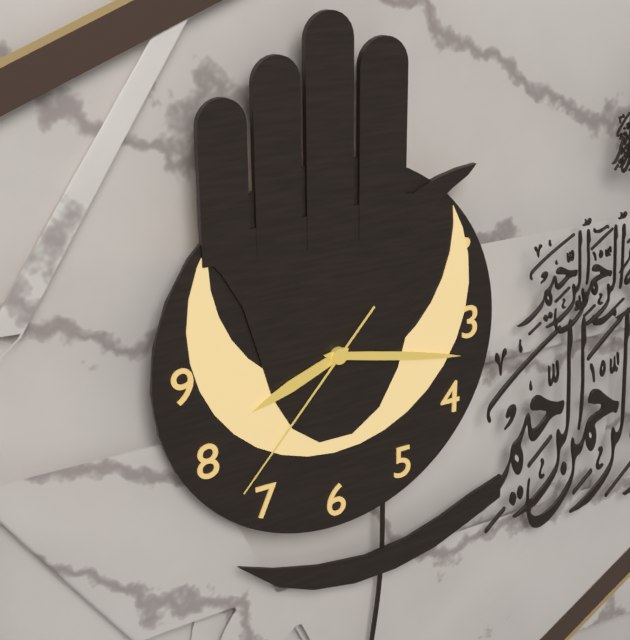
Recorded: h=8 m=17 s=37
